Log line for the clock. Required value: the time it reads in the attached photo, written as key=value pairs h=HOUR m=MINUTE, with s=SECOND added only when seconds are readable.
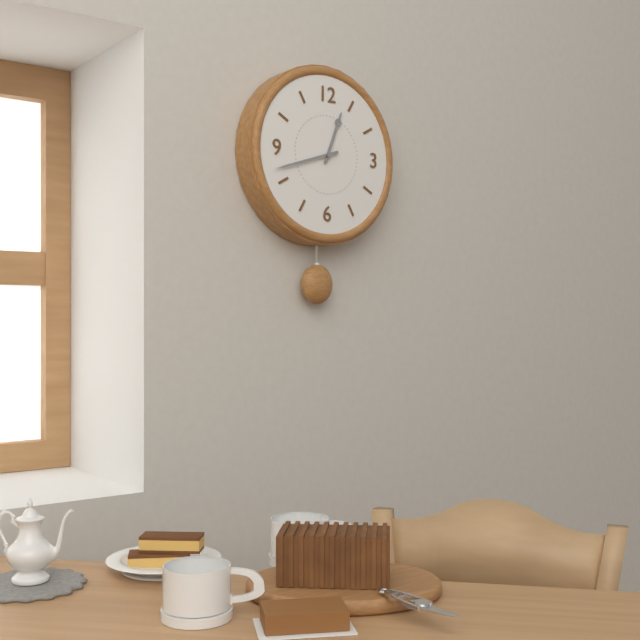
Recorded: h=12 m=42
